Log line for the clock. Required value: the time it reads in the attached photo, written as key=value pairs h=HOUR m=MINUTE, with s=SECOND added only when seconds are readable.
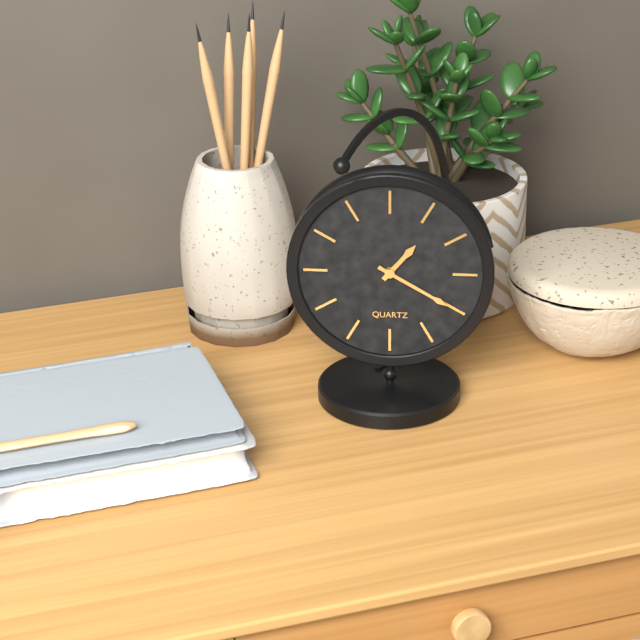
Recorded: h=1 m=20
